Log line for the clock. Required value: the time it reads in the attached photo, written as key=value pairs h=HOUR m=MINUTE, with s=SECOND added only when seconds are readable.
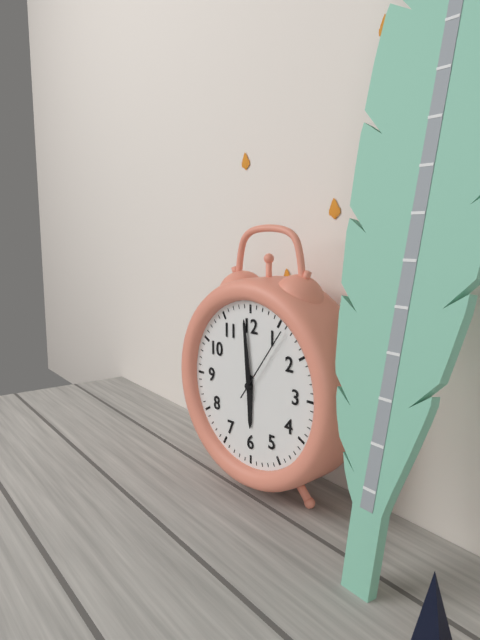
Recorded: h=5 m=59 s=6
